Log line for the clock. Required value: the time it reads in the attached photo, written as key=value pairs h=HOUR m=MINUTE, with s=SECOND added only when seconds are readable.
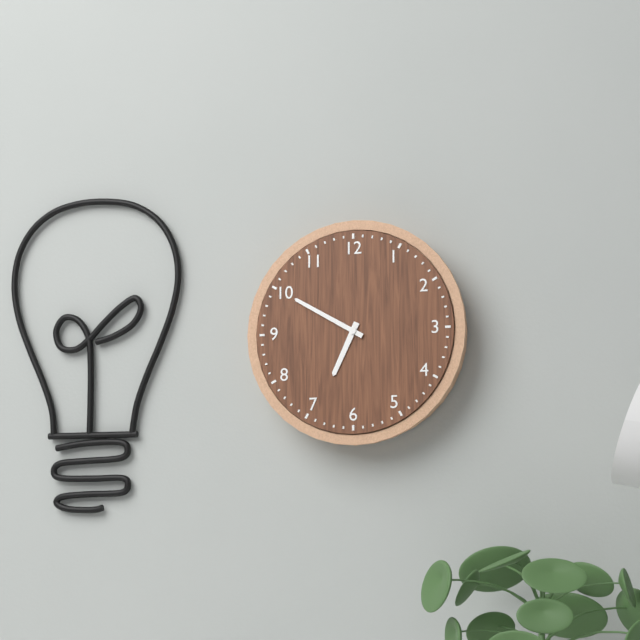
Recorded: h=6 m=50
